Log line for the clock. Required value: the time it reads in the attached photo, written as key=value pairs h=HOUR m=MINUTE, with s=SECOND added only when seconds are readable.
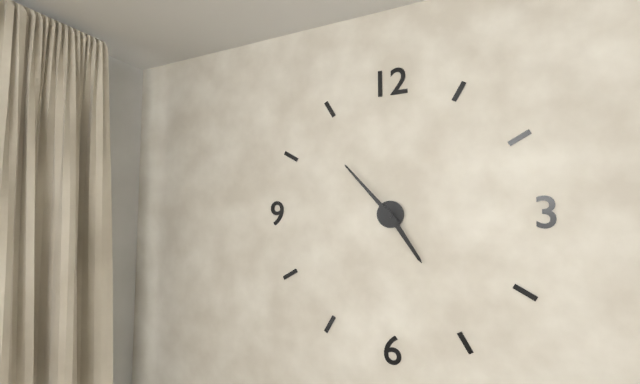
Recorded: h=4 m=53
